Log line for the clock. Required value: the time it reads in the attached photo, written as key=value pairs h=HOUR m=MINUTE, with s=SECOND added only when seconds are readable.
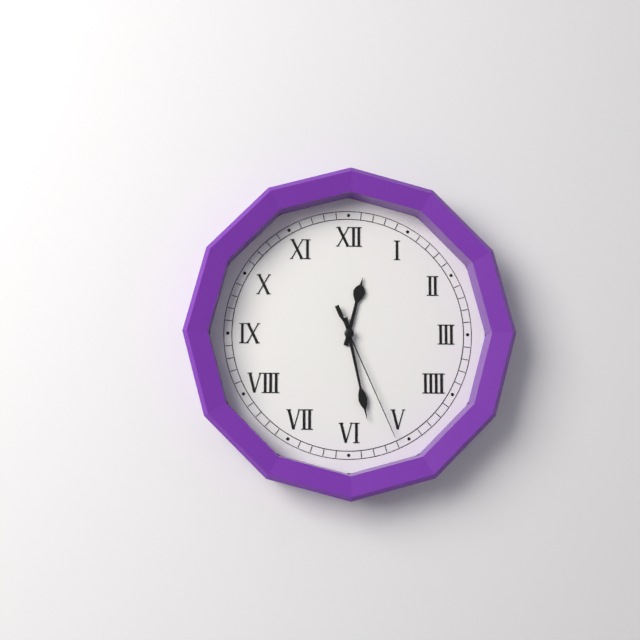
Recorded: h=12 m=28 s=26
